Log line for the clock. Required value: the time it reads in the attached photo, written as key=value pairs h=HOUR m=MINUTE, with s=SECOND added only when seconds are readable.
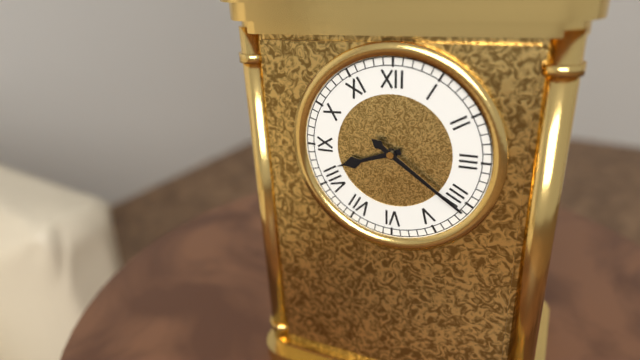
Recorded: h=8 m=21
